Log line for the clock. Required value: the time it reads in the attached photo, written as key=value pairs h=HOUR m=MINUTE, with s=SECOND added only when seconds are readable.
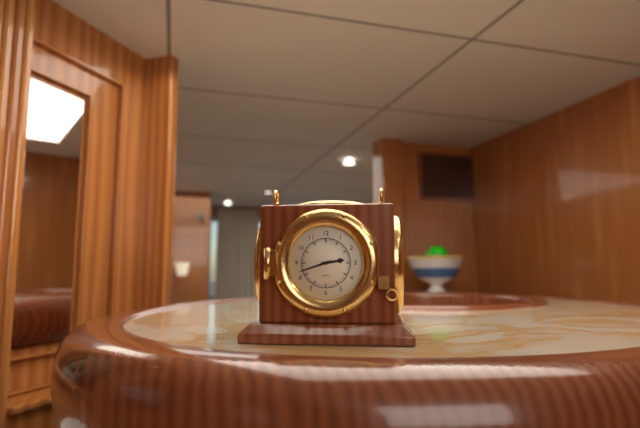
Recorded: h=2 m=42
